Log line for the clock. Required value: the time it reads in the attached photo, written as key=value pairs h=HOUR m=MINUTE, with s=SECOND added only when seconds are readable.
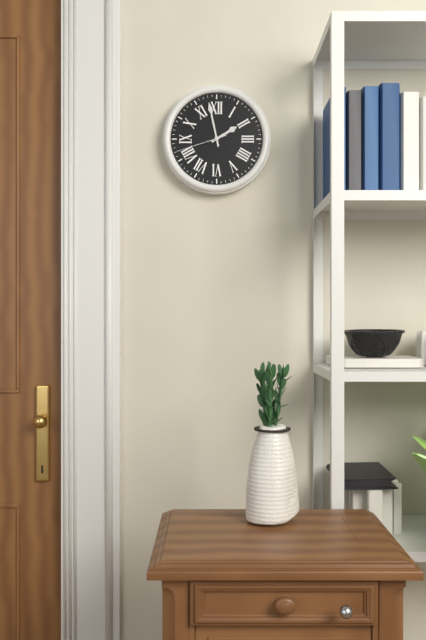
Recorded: h=1 m=58 s=42
